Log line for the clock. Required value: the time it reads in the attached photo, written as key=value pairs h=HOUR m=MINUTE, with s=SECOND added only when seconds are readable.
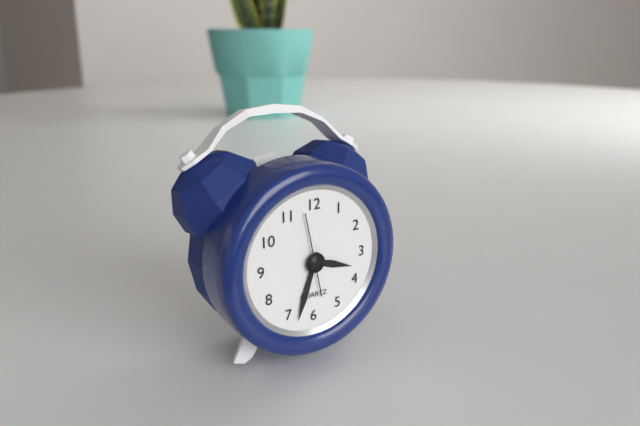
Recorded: h=3 m=33 s=58
